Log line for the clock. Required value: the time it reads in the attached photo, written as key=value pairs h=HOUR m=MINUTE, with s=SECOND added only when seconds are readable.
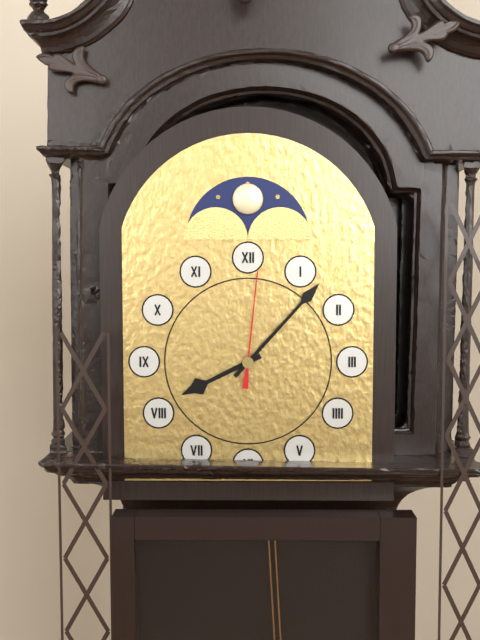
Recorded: h=8 m=7 s=1
